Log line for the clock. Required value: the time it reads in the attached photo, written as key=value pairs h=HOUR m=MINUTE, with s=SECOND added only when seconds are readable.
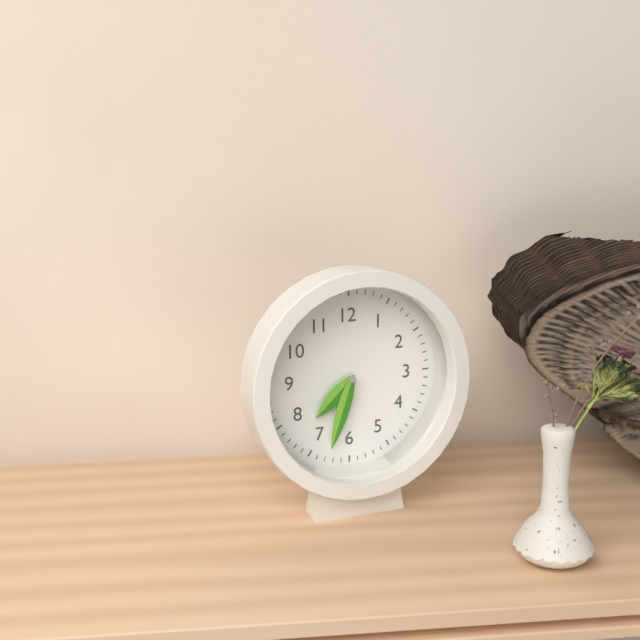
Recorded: h=7 m=33
